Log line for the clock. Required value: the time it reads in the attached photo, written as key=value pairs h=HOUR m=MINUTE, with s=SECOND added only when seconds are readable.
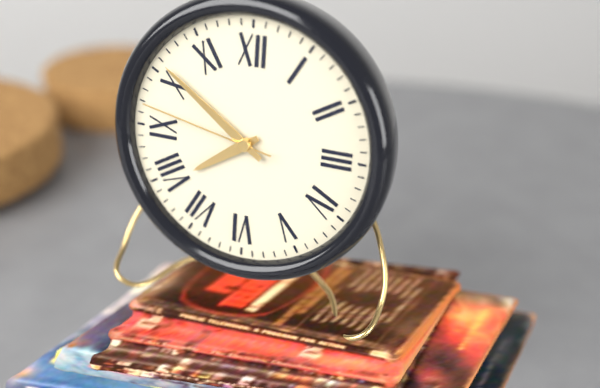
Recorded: h=7 m=51 s=47
